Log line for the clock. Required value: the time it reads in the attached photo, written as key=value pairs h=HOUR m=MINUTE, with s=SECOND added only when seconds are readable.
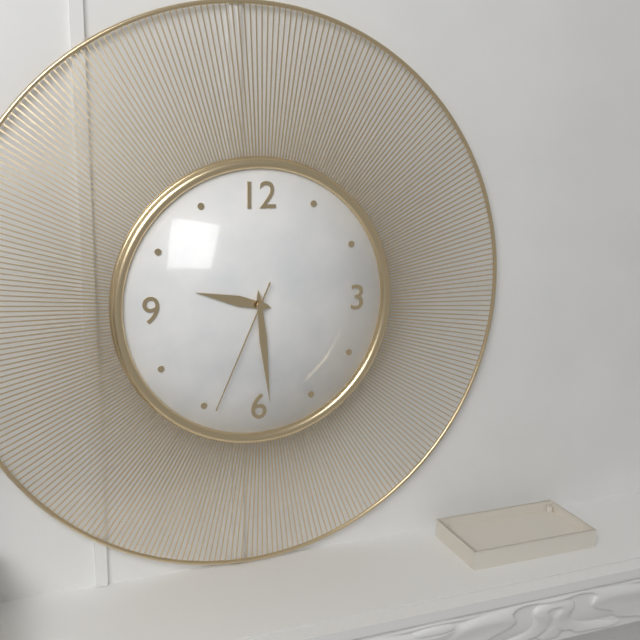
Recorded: h=9 m=29 s=34
